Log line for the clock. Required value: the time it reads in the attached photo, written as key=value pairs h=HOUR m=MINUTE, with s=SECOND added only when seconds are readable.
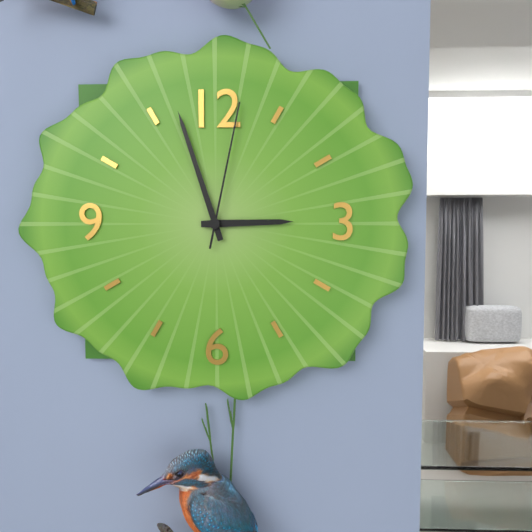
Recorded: h=2 m=57 s=2
